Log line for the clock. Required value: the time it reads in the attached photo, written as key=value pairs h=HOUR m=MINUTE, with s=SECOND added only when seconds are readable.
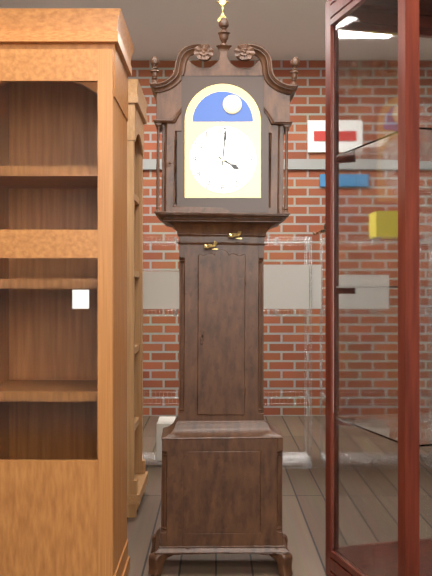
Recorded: h=4 m=1
